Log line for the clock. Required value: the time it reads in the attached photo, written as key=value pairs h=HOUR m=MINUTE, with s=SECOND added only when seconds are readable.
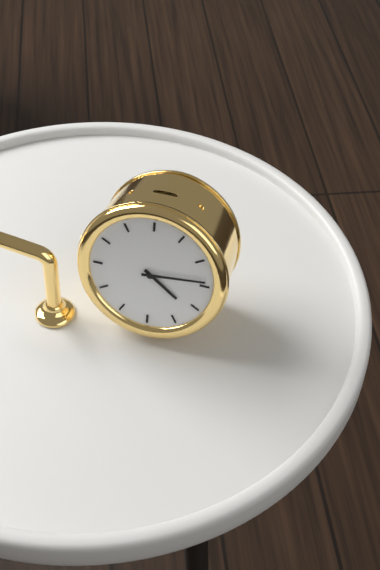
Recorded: h=4 m=14
